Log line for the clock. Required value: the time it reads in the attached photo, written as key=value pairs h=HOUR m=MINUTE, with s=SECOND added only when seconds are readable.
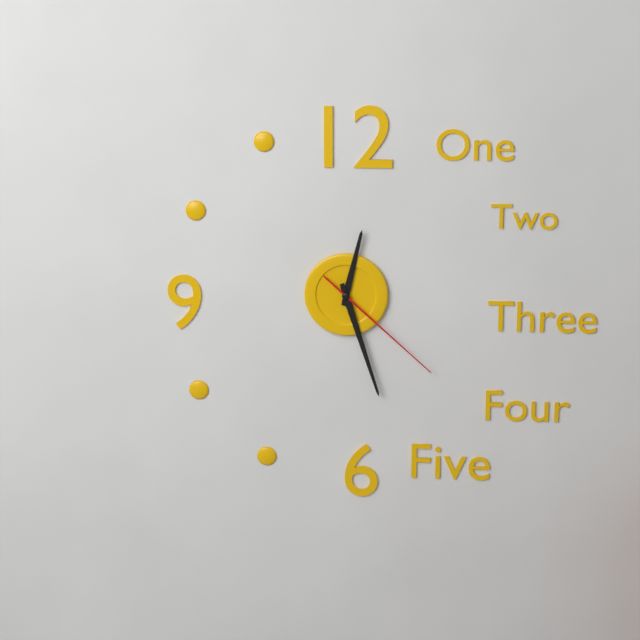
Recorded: h=12 m=27 s=22
